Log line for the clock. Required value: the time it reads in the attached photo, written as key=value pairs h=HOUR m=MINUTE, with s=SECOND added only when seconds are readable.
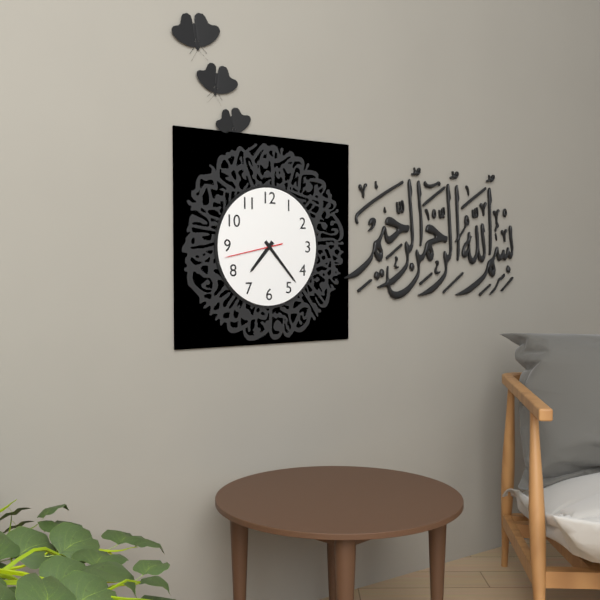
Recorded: h=7 m=23 s=43
